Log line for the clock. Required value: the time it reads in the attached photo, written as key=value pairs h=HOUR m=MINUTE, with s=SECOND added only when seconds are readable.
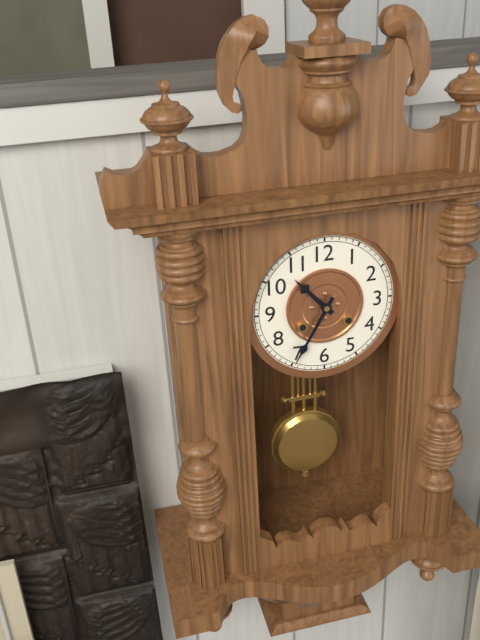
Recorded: h=10 m=35
